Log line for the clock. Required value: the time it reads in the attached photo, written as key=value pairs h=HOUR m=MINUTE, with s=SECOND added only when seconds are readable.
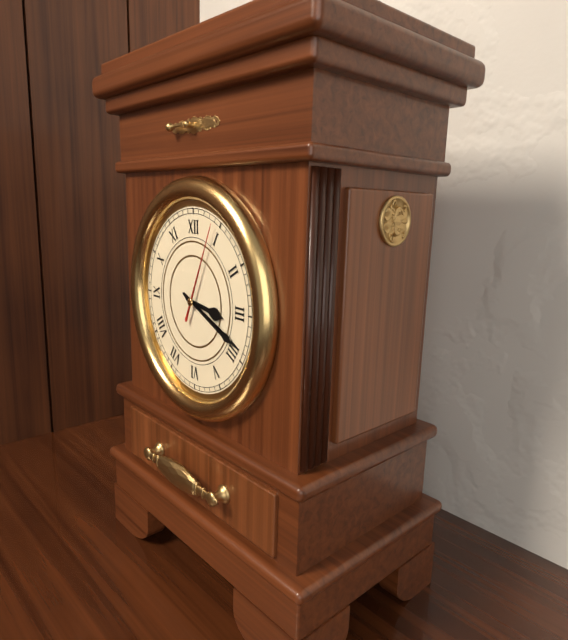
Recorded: h=3 m=19 s=4
